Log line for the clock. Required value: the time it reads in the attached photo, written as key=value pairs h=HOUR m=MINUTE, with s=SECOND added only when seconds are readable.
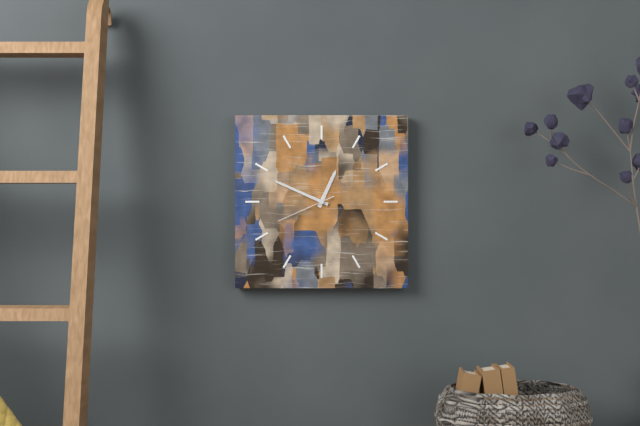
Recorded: h=12 m=49 s=41
